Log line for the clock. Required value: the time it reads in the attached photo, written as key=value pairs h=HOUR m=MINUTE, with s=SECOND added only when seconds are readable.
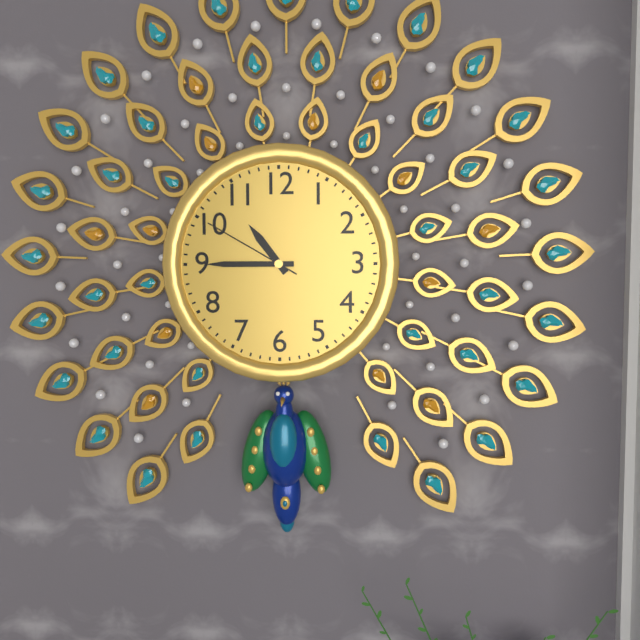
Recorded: h=10 m=45 s=50
